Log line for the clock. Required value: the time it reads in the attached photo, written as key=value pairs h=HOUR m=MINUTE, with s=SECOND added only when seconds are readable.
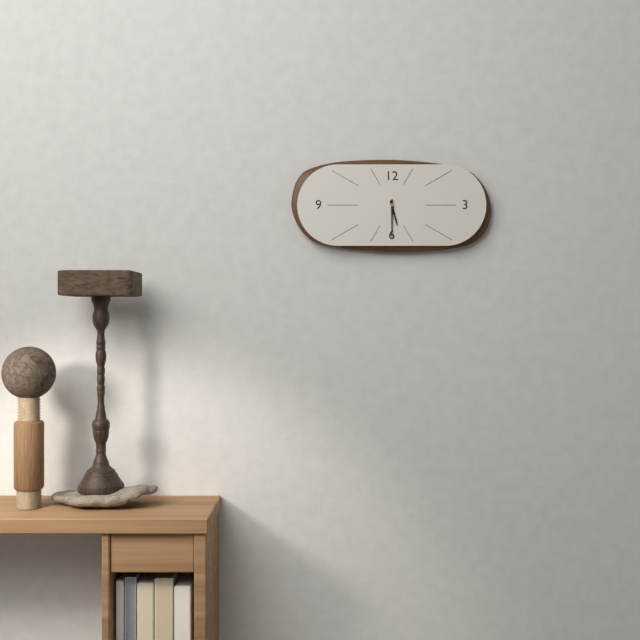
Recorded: h=5 m=30
